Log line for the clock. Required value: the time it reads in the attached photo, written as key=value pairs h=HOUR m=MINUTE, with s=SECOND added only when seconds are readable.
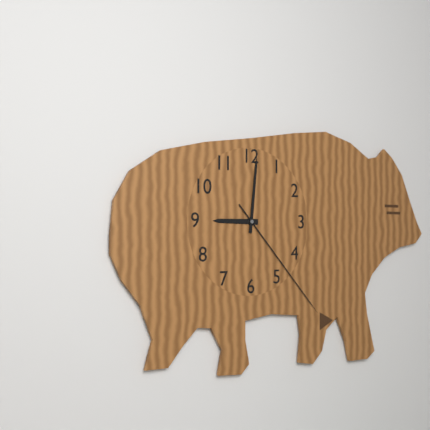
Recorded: h=9 m=1 s=23
